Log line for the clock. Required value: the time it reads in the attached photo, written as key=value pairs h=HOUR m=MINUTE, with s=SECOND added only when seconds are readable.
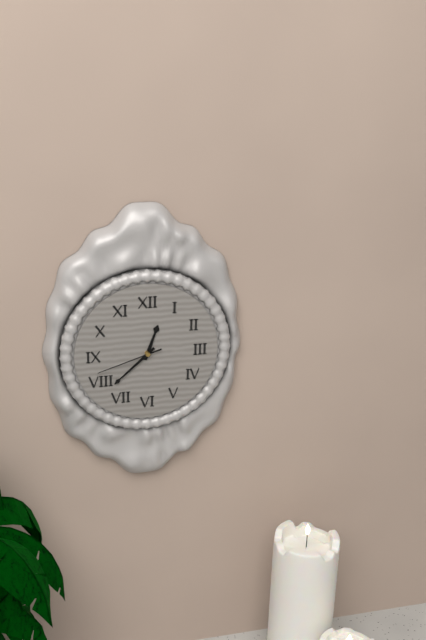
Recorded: h=12 m=38 s=42
